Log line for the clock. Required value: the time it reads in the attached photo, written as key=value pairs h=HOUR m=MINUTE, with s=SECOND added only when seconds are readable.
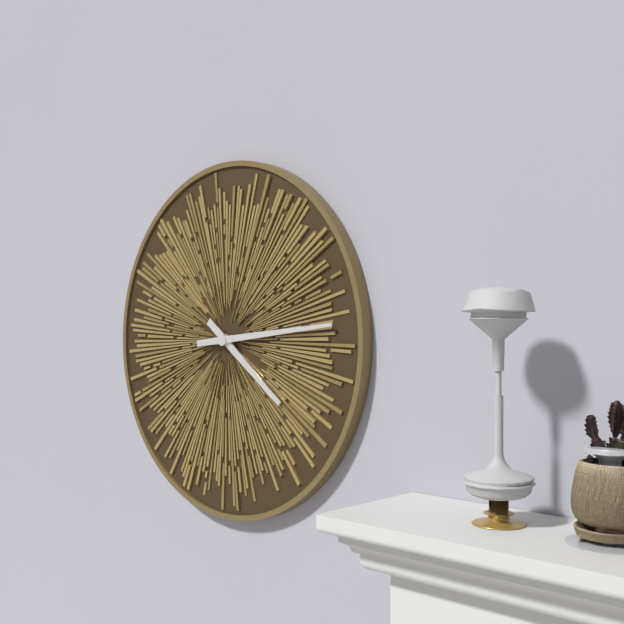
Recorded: h=4 m=14
